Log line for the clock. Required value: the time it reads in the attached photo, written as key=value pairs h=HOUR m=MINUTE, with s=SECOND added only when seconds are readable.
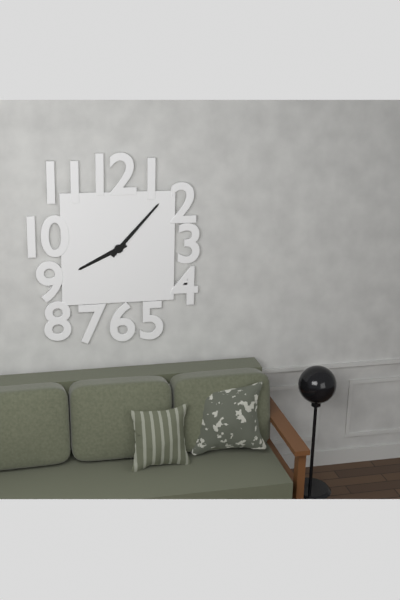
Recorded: h=8 m=7
